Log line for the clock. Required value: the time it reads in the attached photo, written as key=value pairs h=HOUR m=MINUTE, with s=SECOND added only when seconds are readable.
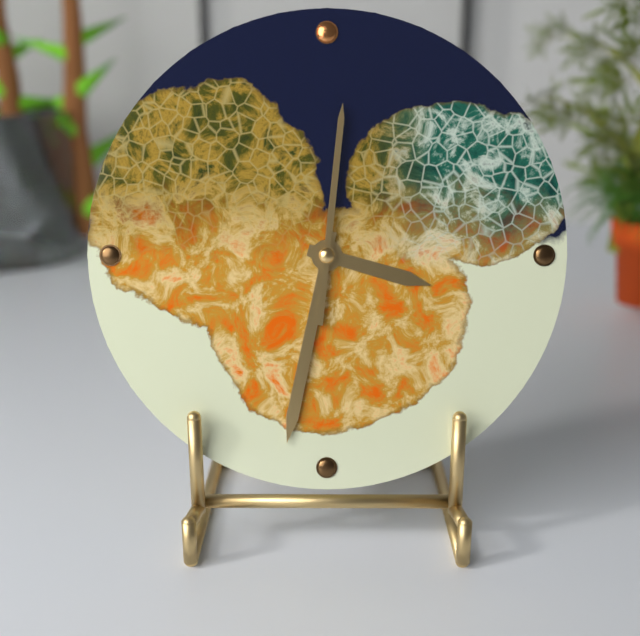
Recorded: h=3 m=32 s=1
